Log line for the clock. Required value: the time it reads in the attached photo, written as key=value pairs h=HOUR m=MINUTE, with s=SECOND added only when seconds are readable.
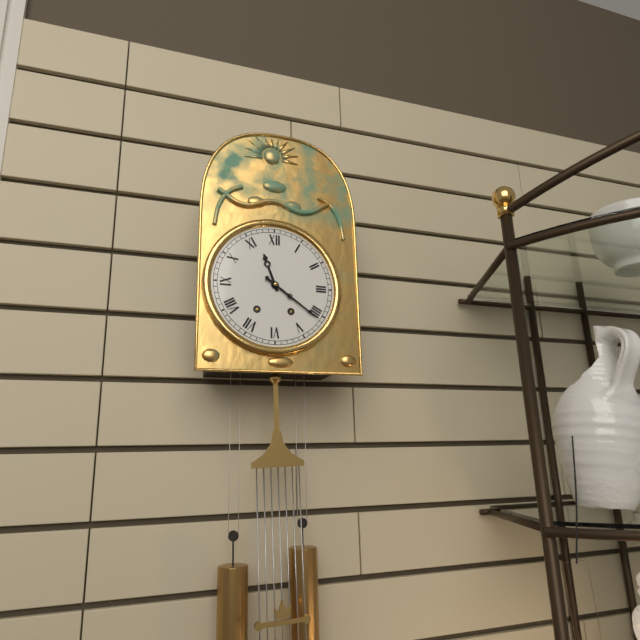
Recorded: h=11 m=21
